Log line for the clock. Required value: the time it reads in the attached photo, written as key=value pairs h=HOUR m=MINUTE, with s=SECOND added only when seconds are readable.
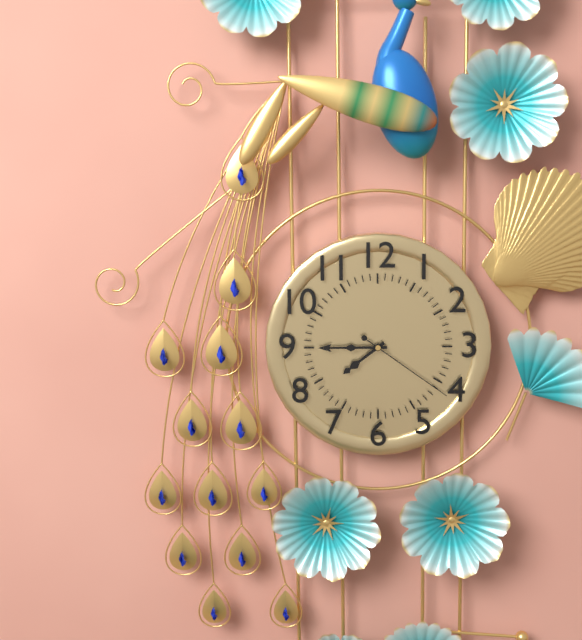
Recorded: h=7 m=45 s=21
